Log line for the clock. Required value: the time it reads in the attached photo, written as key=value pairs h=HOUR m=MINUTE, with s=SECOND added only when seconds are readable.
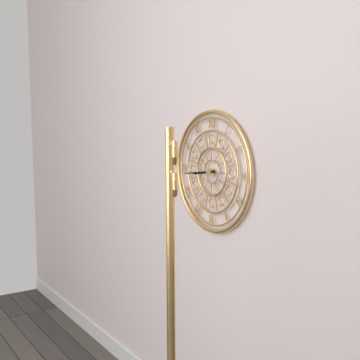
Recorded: h=8 m=44
